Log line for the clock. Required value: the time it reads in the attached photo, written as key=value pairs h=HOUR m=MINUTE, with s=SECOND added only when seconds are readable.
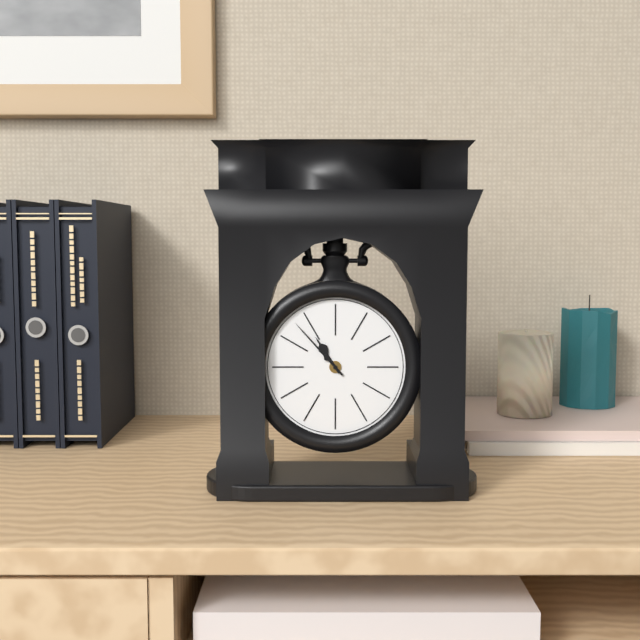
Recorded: h=10 m=53
